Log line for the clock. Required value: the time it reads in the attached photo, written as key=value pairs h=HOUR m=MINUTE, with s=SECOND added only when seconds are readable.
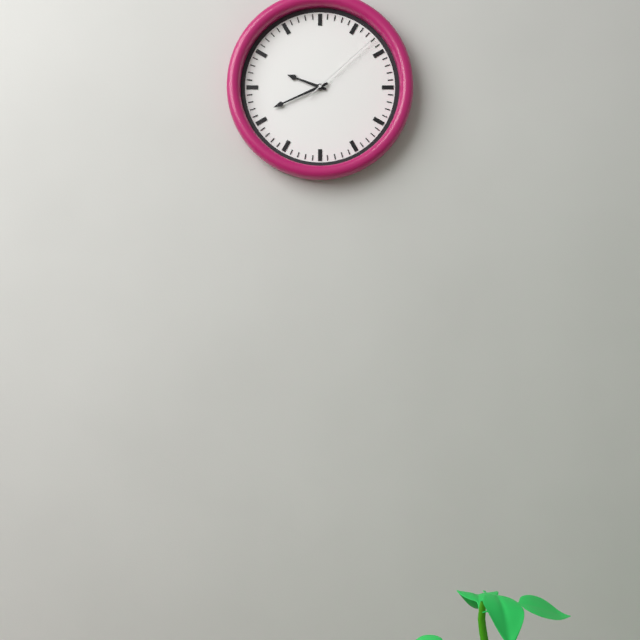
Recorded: h=9 m=41 s=8
